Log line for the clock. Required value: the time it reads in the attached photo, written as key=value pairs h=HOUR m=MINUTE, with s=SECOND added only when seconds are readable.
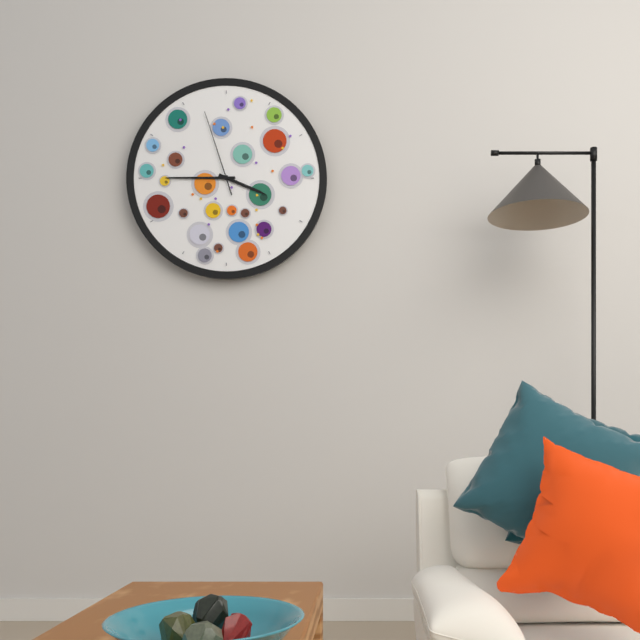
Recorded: h=3 m=45 s=57
